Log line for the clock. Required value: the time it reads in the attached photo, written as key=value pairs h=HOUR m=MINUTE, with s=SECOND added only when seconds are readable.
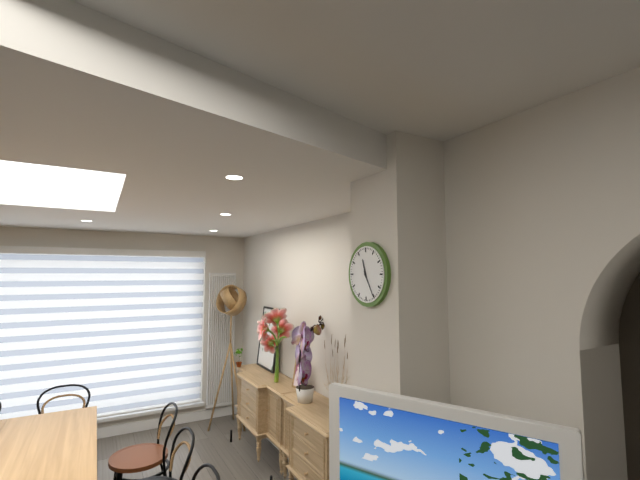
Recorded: h=11 m=25
